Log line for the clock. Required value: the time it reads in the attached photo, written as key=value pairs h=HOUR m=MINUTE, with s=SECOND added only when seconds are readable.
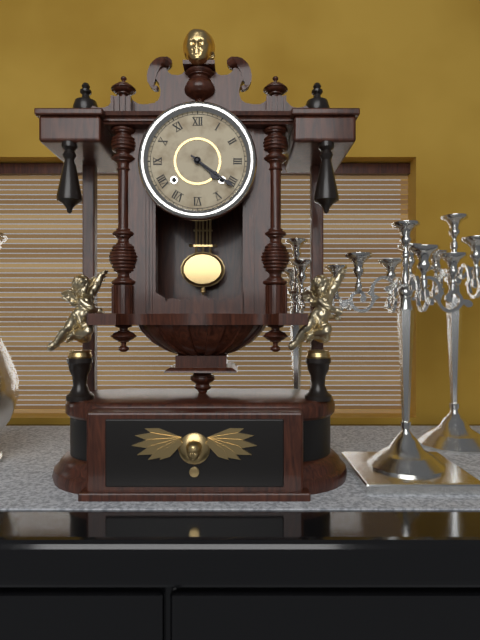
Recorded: h=4 m=21
